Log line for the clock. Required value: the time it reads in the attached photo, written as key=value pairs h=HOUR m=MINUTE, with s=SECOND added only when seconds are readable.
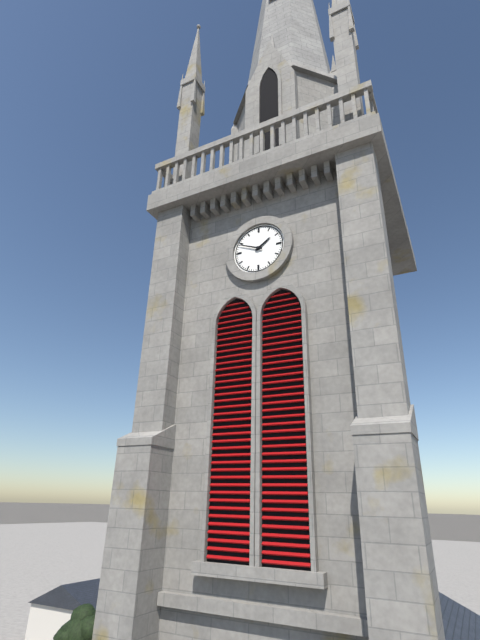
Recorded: h=1 m=49
